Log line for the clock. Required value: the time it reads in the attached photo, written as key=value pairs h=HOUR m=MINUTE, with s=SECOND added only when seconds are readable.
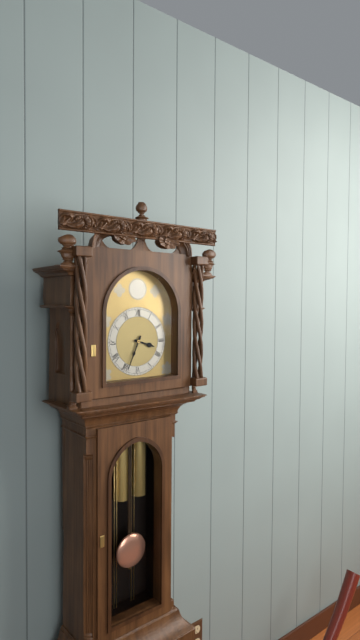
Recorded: h=3 m=34
